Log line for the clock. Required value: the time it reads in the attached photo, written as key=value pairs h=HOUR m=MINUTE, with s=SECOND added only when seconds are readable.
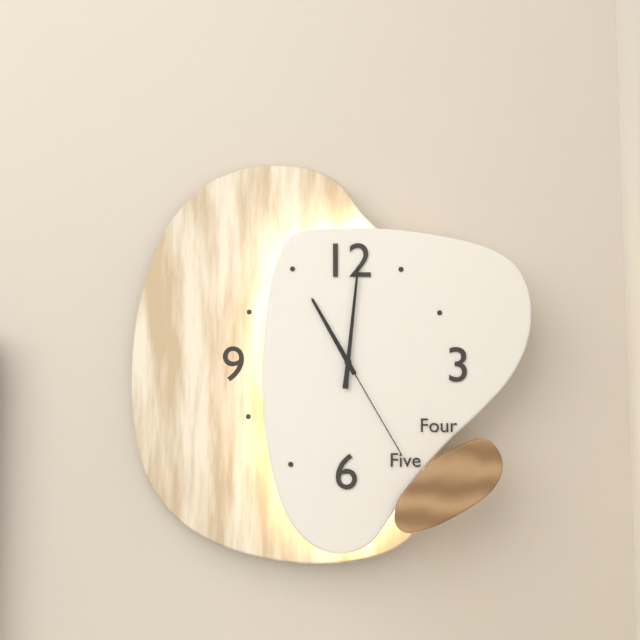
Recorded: h=11 m=1 s=25
